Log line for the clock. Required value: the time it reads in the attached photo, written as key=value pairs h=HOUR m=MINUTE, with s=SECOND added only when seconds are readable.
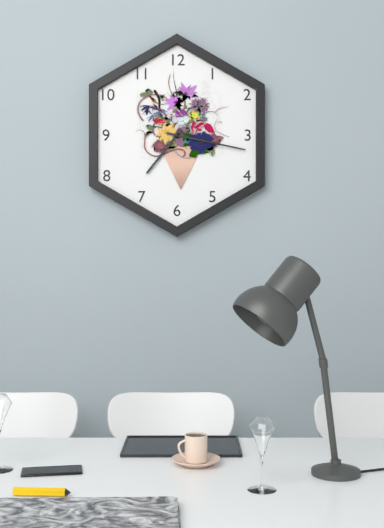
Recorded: h=7 m=17
